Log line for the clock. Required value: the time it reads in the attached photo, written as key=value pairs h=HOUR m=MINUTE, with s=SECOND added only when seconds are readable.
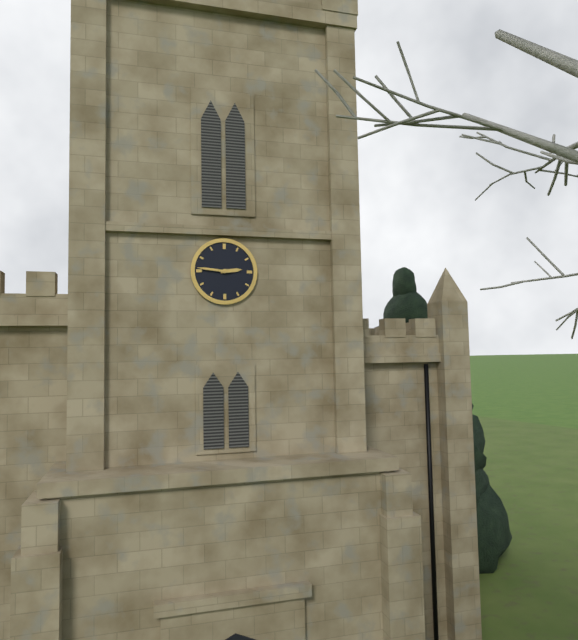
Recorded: h=2 m=46
